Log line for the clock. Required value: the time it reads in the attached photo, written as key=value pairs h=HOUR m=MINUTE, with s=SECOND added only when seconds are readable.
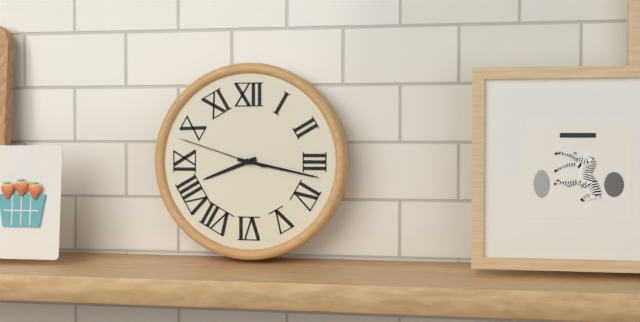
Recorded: h=8 m=17 s=48
